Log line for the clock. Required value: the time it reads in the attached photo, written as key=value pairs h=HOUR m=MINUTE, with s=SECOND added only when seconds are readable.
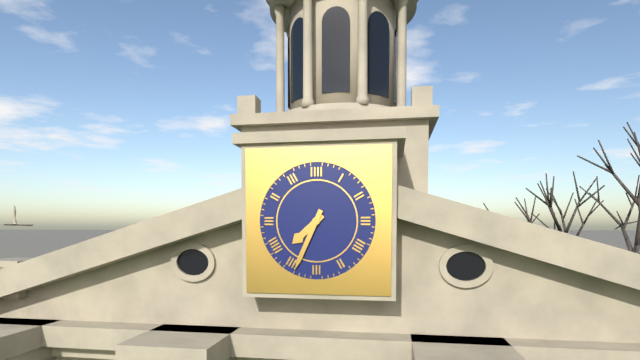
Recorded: h=7 m=34
